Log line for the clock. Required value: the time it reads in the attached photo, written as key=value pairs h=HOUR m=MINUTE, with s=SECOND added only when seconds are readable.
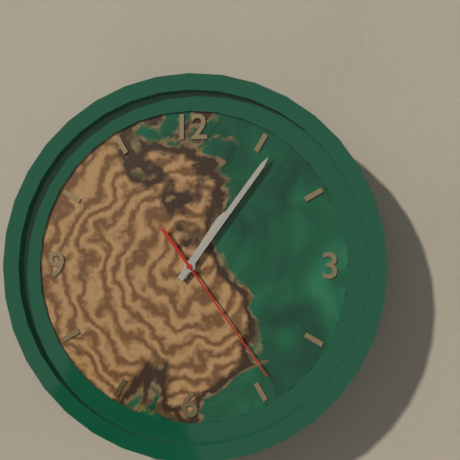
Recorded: h=1 m=6 s=24
